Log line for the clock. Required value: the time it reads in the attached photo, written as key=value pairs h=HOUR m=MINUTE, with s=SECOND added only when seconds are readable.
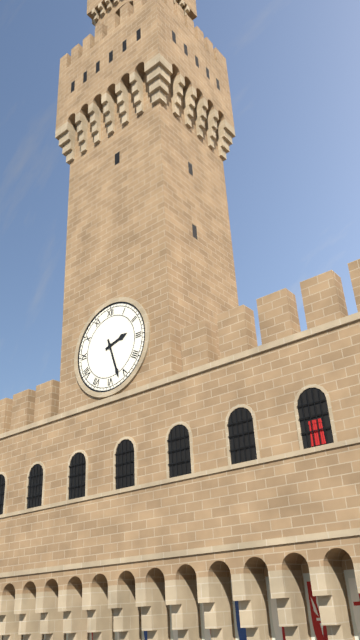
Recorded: h=2 m=27
